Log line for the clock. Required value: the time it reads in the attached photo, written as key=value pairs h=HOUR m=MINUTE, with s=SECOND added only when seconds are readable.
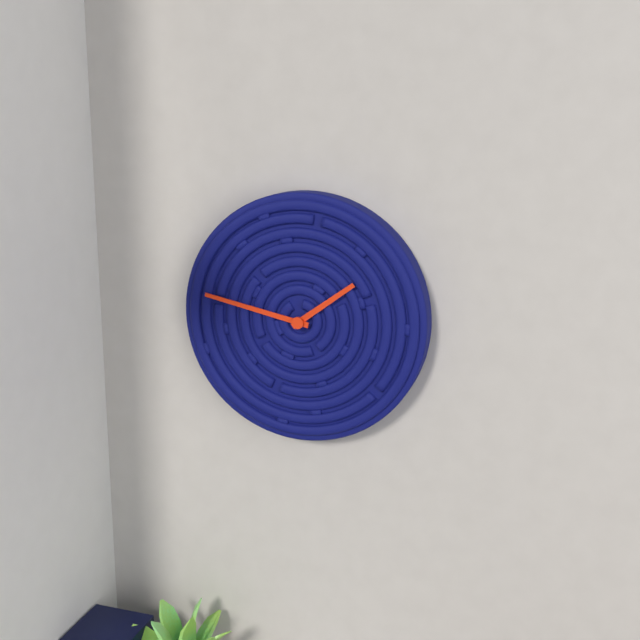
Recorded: h=1 m=47
